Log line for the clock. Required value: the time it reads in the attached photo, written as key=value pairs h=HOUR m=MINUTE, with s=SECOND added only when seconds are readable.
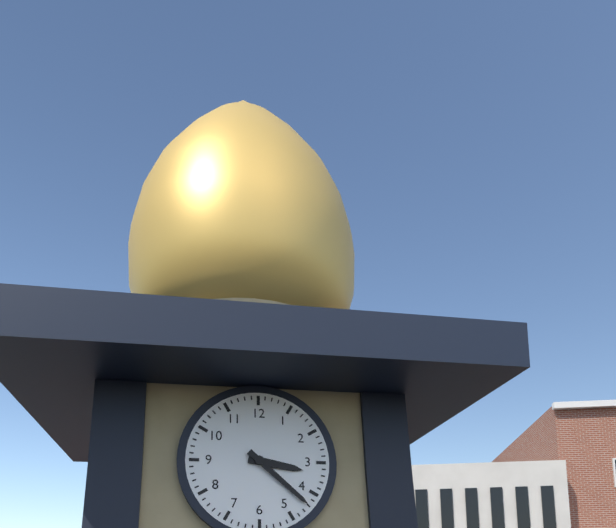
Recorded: h=3 m=22
